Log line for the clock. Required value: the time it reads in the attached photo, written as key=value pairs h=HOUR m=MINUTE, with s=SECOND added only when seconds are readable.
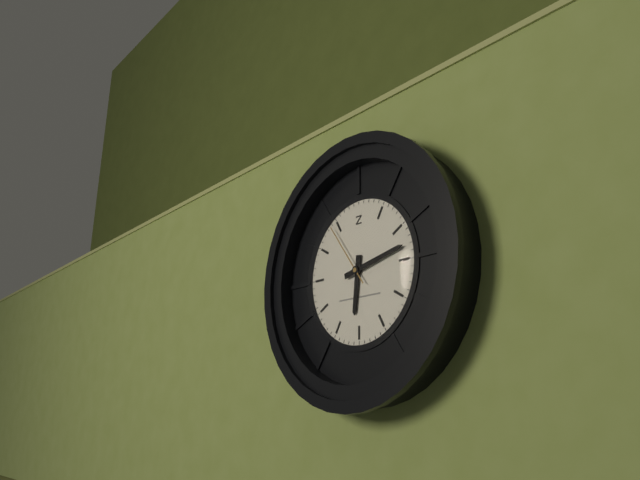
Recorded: h=6 m=13 s=54
